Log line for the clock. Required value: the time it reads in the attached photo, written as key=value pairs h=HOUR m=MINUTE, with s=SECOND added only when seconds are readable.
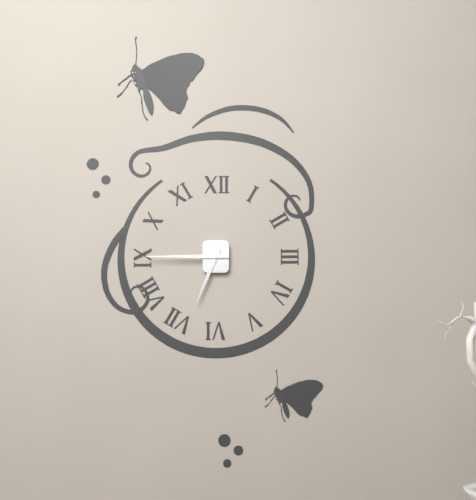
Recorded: h=6 m=45
